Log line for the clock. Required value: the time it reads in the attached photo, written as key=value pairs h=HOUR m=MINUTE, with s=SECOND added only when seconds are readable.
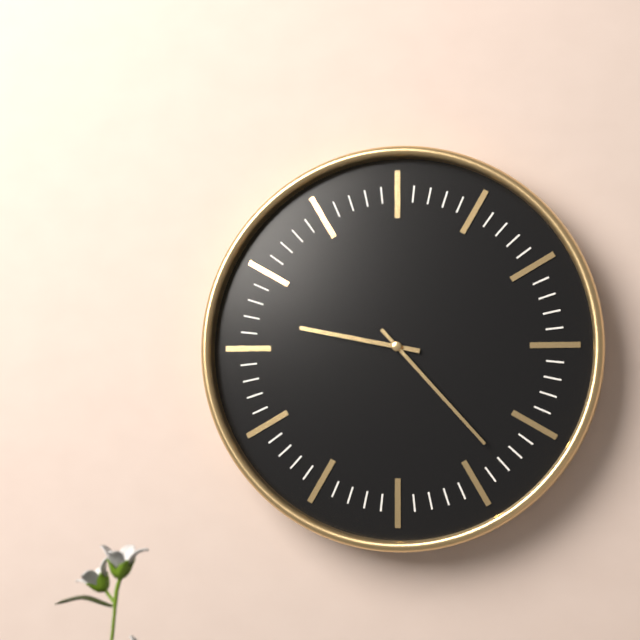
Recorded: h=9 m=23
